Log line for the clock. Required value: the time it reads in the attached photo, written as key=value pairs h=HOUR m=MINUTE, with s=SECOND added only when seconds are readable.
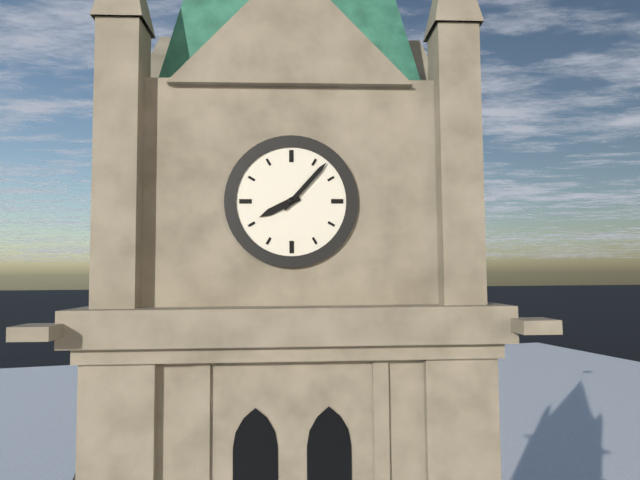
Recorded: h=8 m=7
